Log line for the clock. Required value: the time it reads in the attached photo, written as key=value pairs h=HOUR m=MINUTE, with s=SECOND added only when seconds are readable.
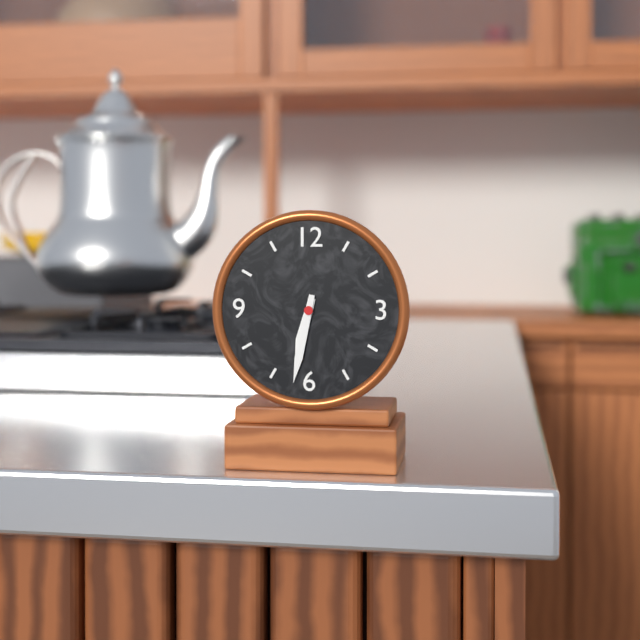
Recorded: h=6 m=32
